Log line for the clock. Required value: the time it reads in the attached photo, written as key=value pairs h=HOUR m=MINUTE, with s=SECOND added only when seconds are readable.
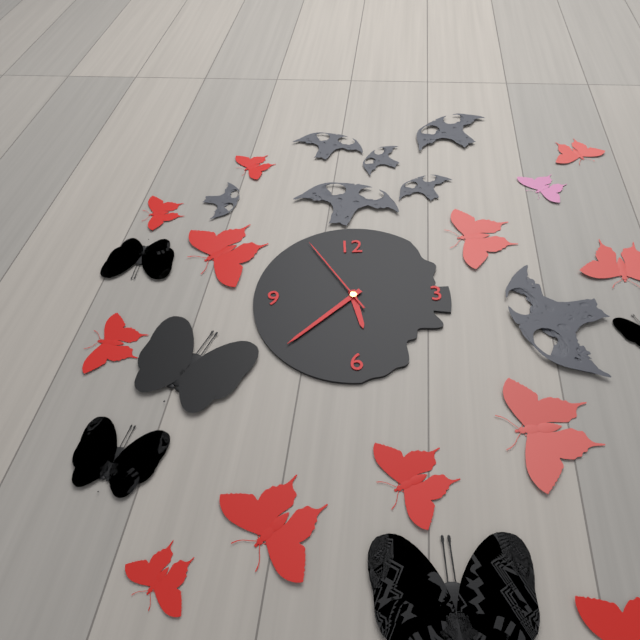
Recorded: h=5 m=38 s=55
